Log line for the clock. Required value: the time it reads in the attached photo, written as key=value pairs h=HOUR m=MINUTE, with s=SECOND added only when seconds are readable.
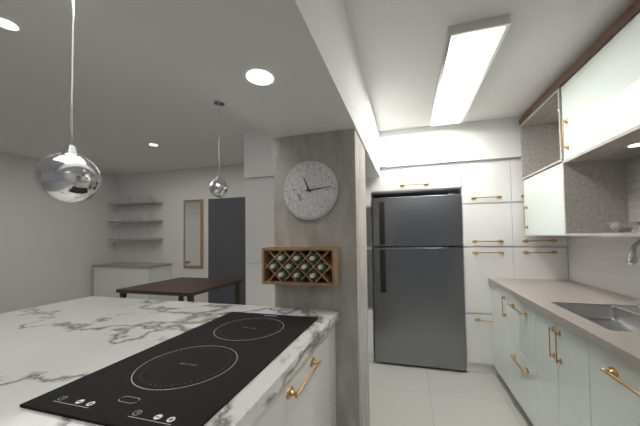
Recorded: h=11 m=14
